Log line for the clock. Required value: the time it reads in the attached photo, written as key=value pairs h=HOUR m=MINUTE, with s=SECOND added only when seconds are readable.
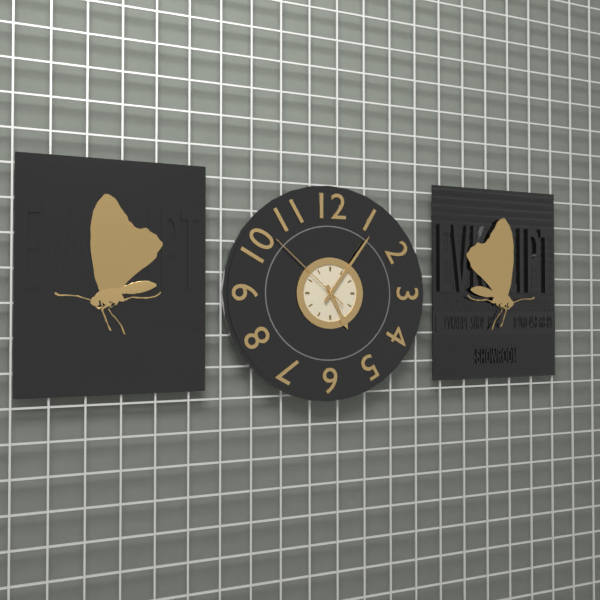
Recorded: h=5 m=6 s=52
